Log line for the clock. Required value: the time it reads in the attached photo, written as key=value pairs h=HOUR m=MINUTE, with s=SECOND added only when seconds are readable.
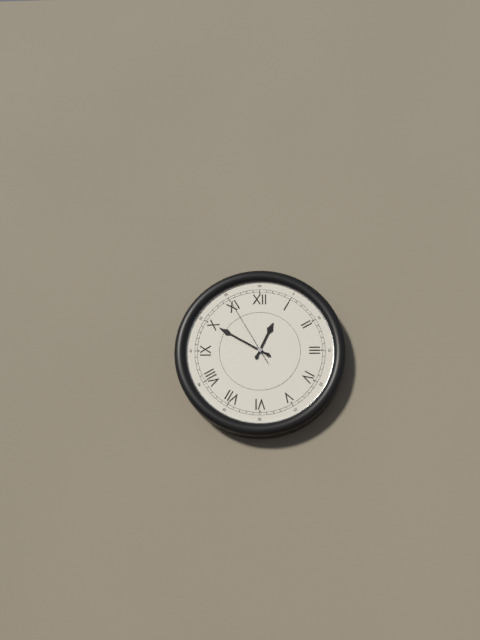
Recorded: h=12 m=50 s=55
